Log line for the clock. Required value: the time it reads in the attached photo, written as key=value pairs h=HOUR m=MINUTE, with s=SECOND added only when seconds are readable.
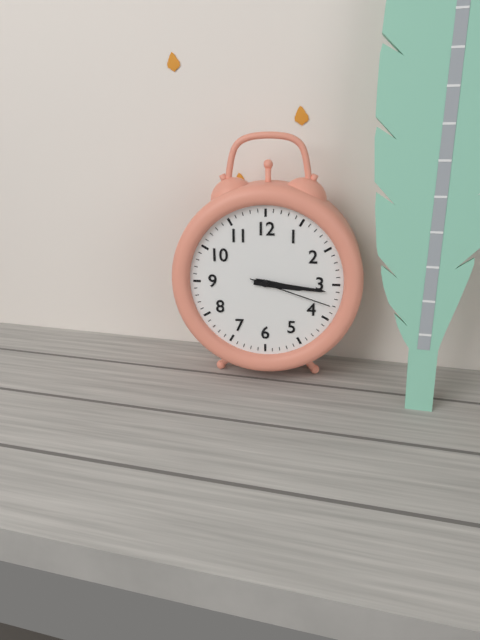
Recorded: h=3 m=16 s=18
